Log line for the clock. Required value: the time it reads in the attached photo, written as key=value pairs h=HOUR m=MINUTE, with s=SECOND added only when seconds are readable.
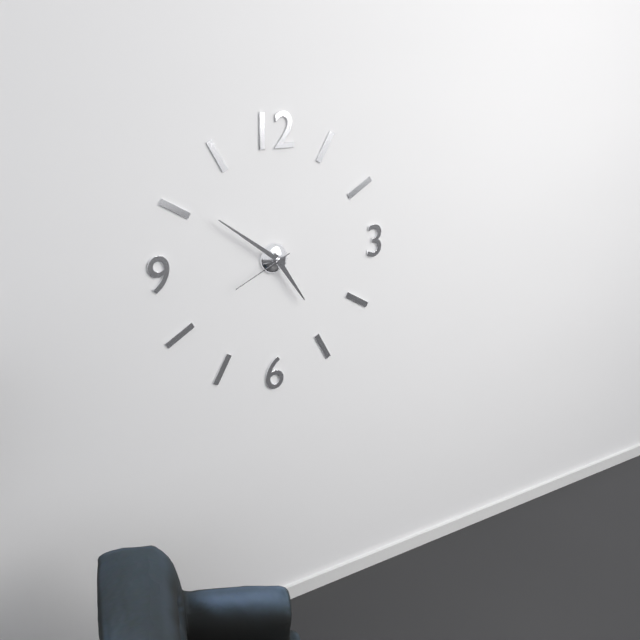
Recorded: h=4 m=51 s=41
